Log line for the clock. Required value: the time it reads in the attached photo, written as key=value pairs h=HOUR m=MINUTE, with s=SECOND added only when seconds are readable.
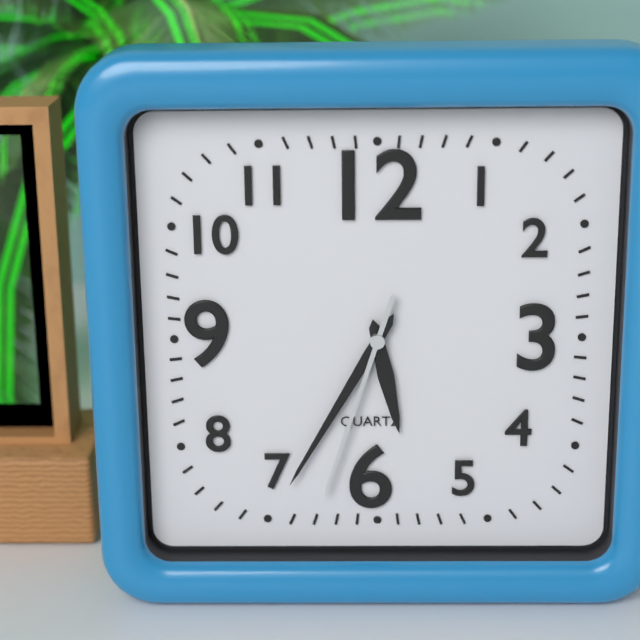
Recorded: h=5 m=35 s=33
